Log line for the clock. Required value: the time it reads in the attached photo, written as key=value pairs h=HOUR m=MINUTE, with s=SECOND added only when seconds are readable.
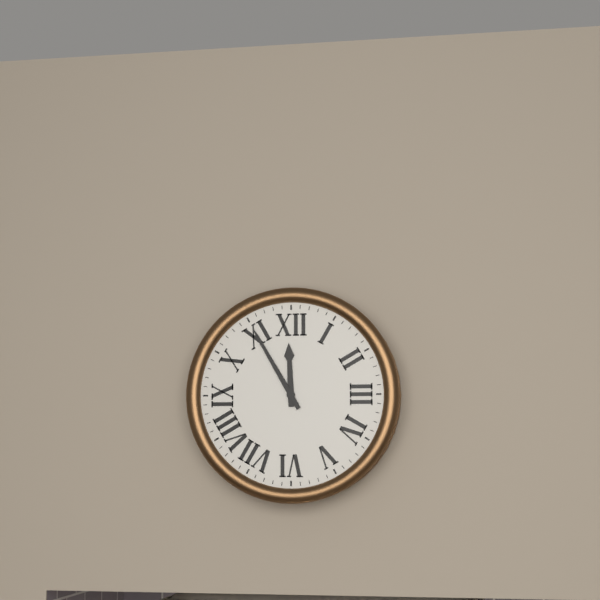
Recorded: h=11 m=55
